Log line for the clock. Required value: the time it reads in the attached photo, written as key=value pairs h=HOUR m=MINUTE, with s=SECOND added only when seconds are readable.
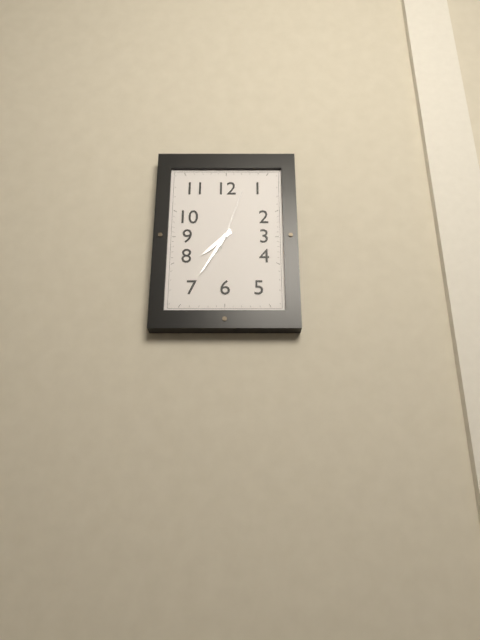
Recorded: h=7 m=35 s=3
